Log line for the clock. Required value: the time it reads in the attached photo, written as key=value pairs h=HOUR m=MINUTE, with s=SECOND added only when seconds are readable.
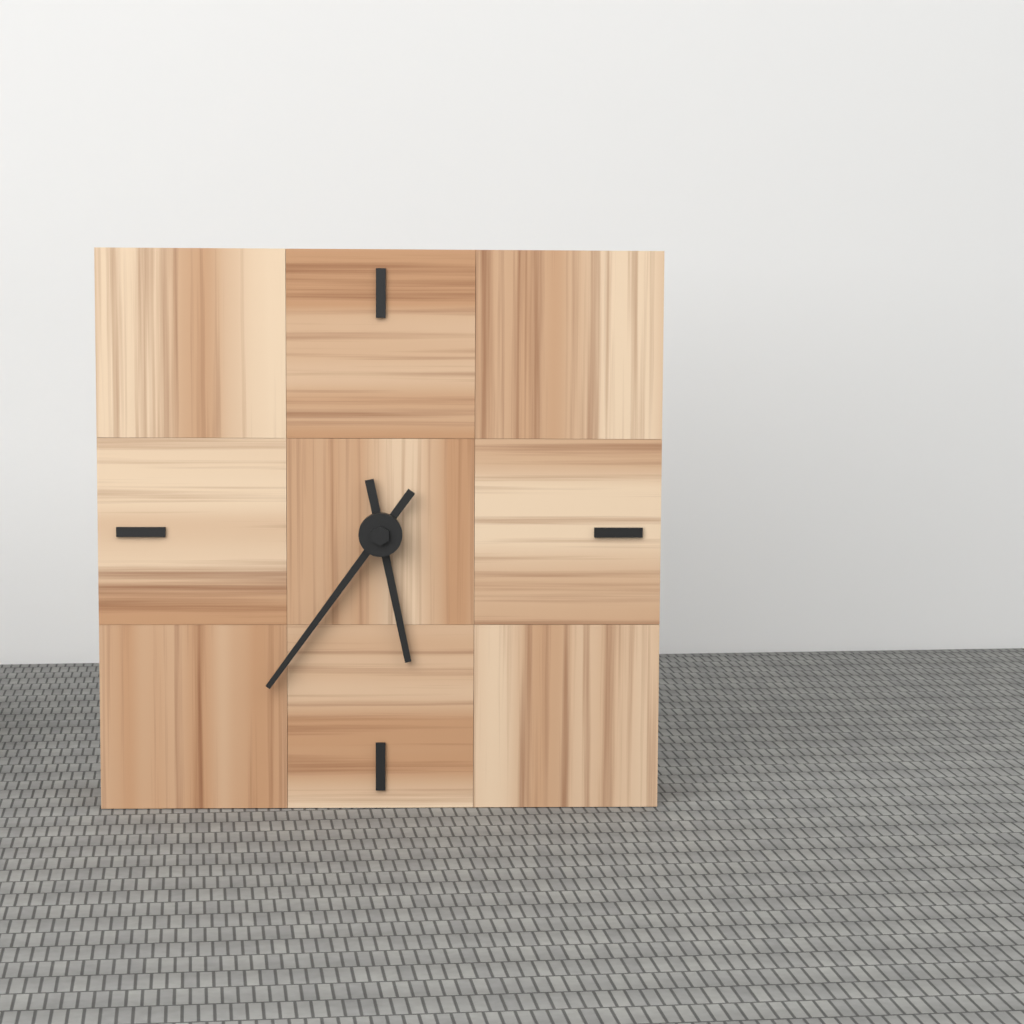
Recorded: h=5 m=36
